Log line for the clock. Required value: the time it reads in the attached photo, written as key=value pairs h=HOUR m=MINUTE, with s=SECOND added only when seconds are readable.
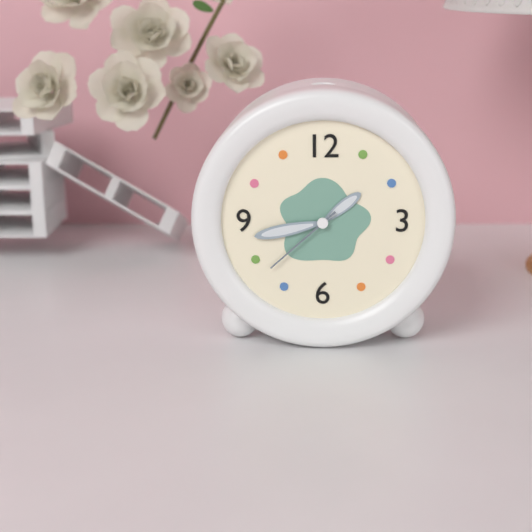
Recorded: h=1 m=43 s=38
